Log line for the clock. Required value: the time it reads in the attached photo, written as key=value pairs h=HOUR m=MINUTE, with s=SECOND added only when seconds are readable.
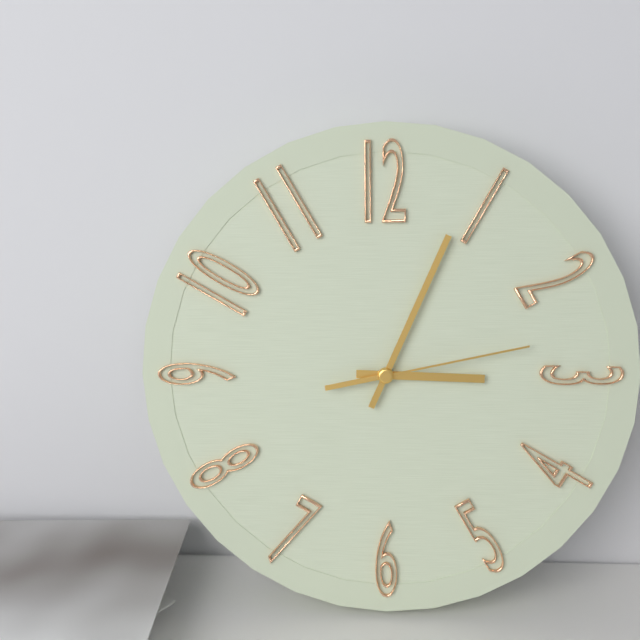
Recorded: h=3 m=4 s=13
